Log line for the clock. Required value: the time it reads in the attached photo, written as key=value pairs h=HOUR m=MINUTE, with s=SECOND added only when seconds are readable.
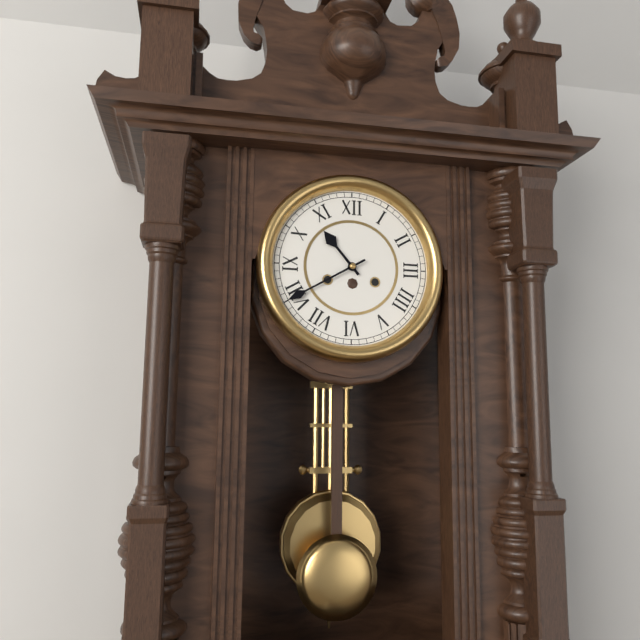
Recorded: h=10 m=40
